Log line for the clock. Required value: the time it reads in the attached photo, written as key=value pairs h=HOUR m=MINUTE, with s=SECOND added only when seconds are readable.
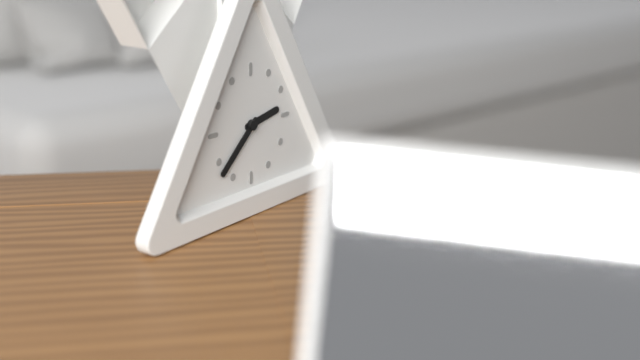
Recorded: h=2 m=38
